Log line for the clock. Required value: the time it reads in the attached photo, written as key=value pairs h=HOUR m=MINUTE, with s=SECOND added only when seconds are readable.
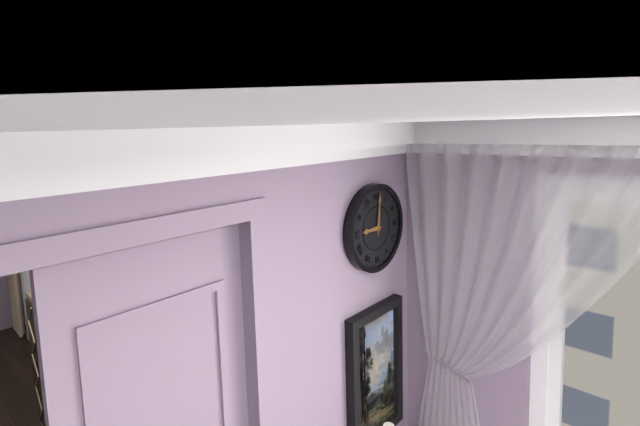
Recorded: h=9 m=1
